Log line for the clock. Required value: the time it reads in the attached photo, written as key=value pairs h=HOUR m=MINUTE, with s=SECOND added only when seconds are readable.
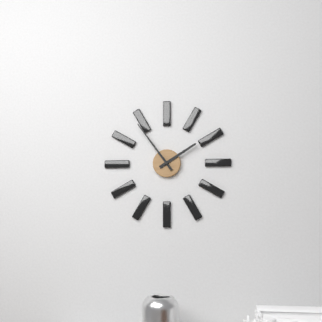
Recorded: h=1 m=54
